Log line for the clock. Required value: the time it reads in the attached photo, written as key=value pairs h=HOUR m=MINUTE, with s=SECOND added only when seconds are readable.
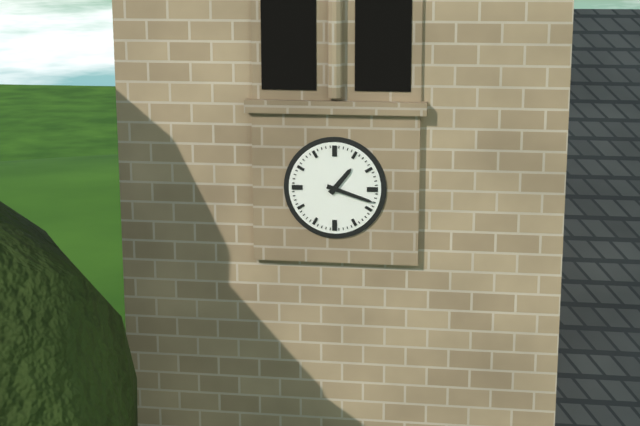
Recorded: h=1 m=18
